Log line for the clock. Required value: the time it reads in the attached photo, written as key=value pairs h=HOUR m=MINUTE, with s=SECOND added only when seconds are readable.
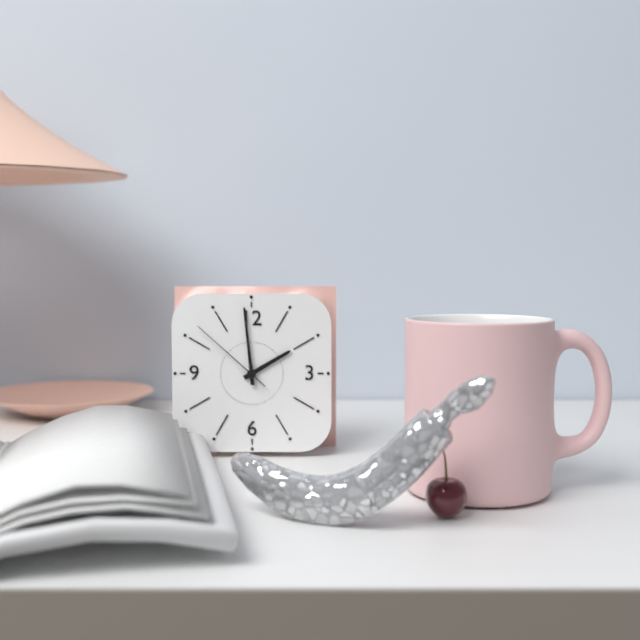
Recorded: h=1 m=59 s=52
